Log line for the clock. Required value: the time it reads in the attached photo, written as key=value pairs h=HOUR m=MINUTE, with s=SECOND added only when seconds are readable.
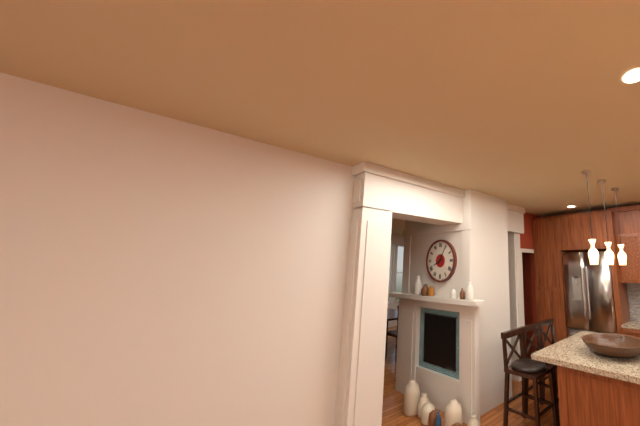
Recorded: h=8 m=5
